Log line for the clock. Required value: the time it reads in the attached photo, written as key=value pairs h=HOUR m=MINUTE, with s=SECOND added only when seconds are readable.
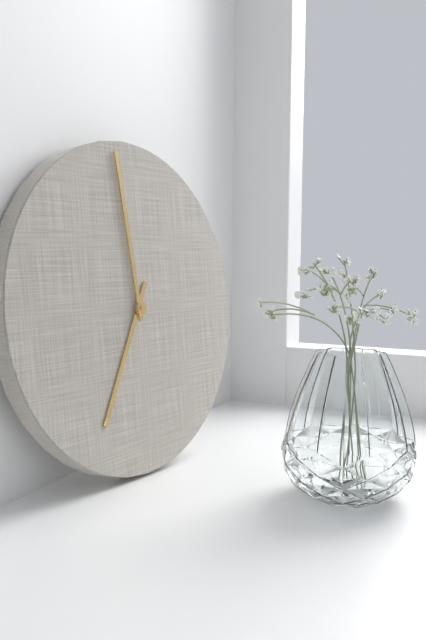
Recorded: h=6 m=59
